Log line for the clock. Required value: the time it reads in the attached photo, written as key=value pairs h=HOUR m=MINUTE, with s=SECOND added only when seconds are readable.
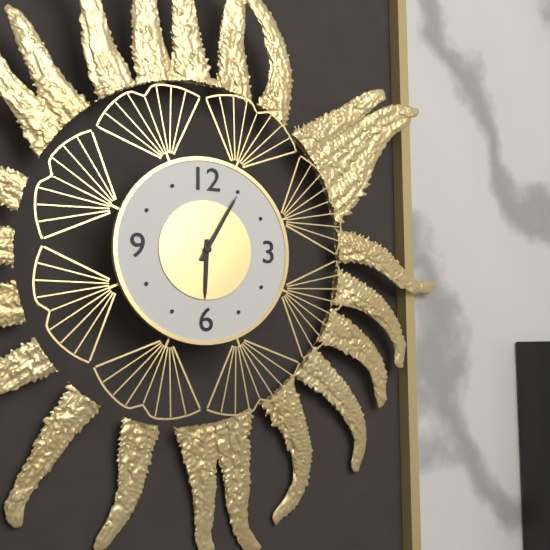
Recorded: h=6 m=5
